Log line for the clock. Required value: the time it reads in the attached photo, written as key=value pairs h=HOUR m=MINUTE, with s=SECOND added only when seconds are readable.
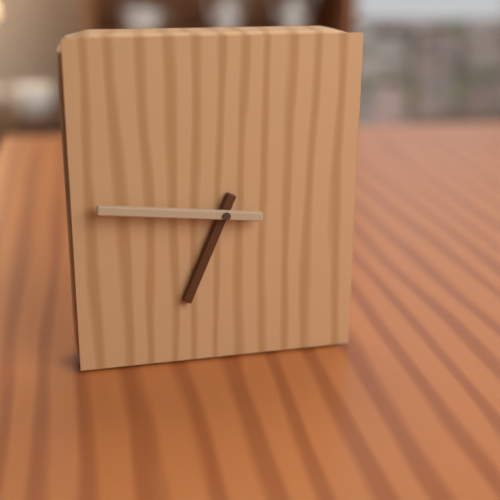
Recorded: h=6 m=46
